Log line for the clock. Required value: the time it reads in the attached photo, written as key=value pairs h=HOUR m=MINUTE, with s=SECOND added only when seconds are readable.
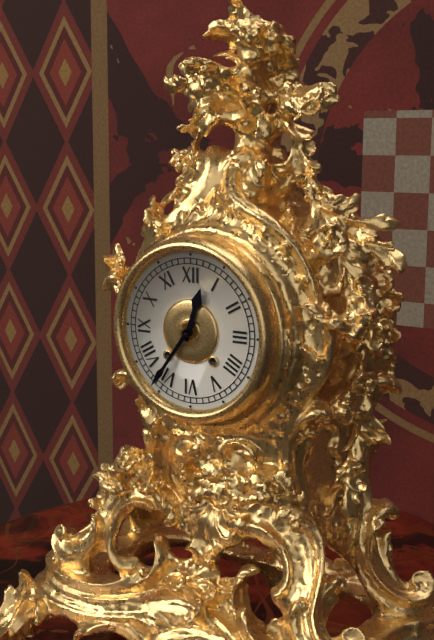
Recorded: h=12 m=36
